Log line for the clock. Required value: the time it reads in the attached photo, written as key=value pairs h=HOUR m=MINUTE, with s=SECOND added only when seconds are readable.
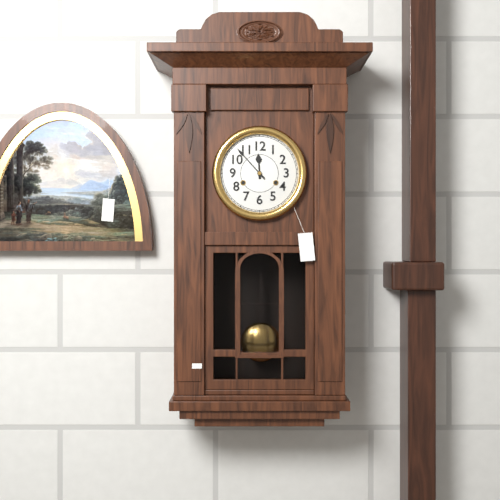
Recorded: h=11 m=53
